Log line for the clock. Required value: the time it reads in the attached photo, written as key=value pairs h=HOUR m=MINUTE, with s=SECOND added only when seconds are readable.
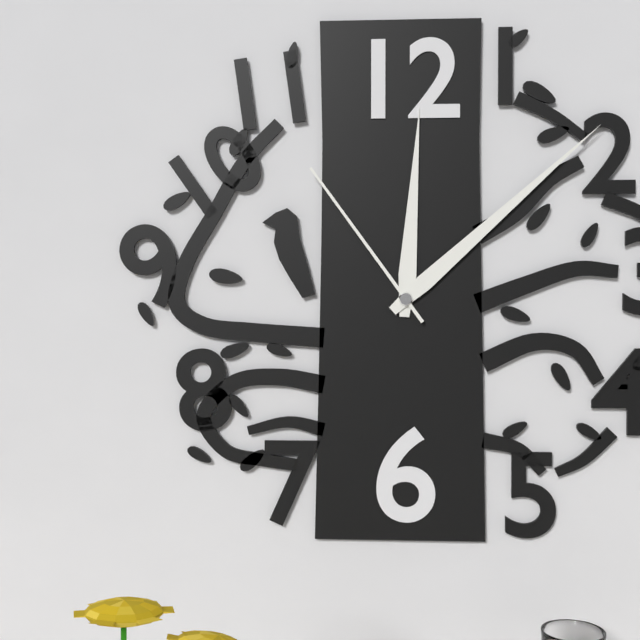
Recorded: h=12 m=8 s=54
